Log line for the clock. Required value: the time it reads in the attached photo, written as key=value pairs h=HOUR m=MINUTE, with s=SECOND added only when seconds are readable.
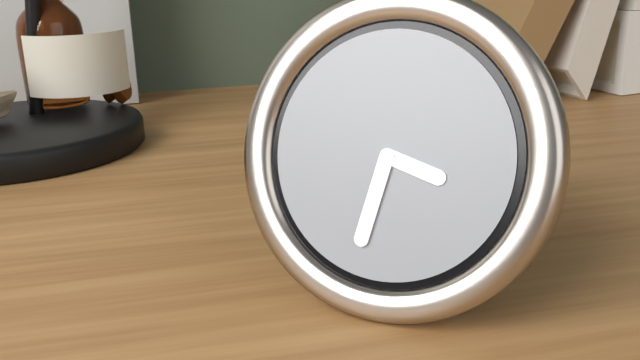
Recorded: h=3 m=32
